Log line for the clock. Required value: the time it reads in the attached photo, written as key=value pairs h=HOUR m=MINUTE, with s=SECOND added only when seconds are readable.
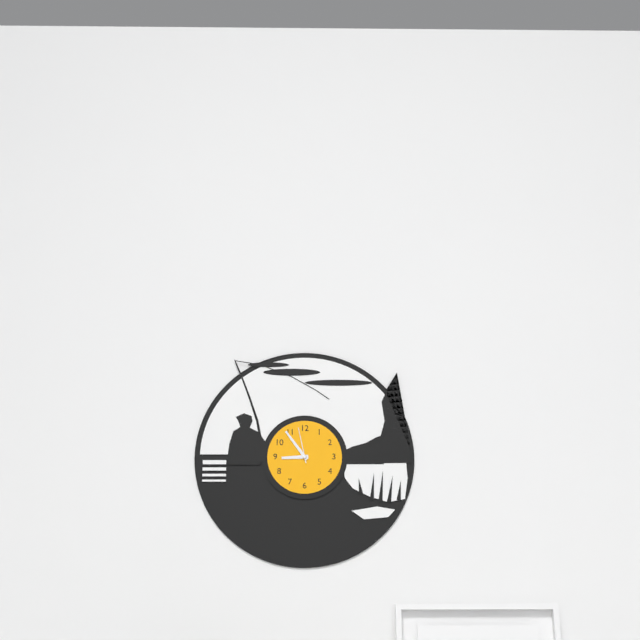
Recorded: h=8 m=54
